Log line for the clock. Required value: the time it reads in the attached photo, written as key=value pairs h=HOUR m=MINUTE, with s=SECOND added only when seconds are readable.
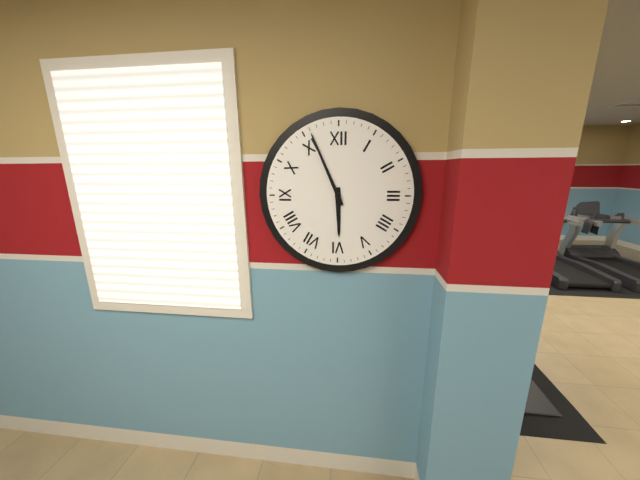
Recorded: h=5 m=56
